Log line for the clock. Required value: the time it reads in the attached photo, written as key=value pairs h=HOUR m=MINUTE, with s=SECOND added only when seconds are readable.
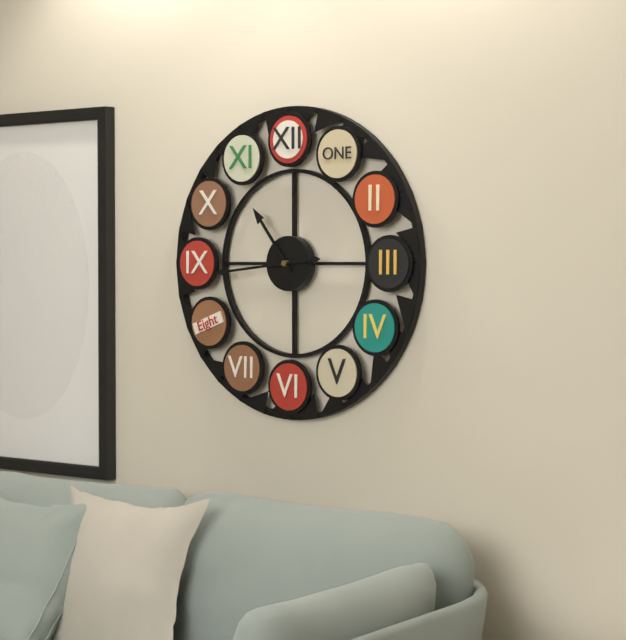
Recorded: h=10 m=44
